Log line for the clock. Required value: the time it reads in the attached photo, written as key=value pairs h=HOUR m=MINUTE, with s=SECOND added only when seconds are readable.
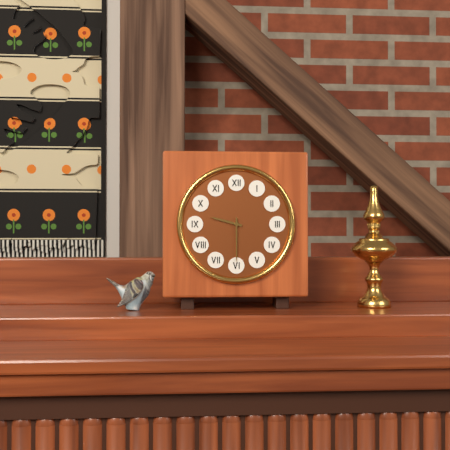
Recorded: h=9 m=30
